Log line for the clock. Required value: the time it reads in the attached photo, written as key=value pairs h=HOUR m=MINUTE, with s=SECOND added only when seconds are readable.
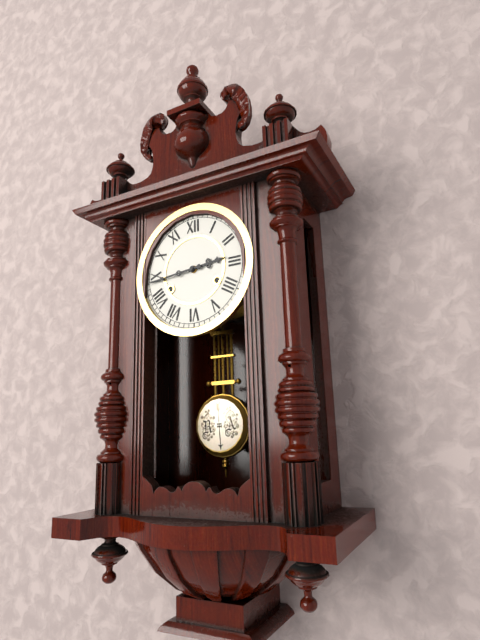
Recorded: h=2 m=44
